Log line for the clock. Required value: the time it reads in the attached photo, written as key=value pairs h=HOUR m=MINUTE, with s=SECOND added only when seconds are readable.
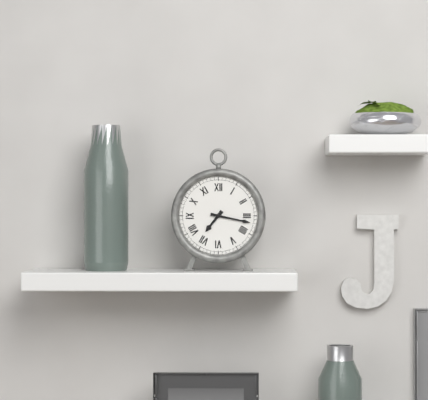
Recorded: h=7 m=17
